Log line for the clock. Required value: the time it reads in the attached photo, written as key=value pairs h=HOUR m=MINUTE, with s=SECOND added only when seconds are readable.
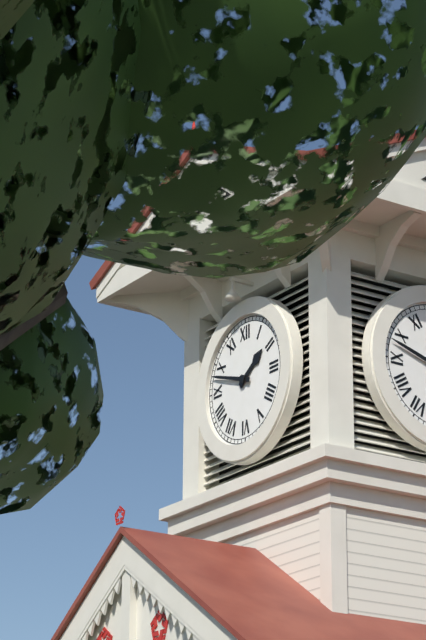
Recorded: h=1 m=48
